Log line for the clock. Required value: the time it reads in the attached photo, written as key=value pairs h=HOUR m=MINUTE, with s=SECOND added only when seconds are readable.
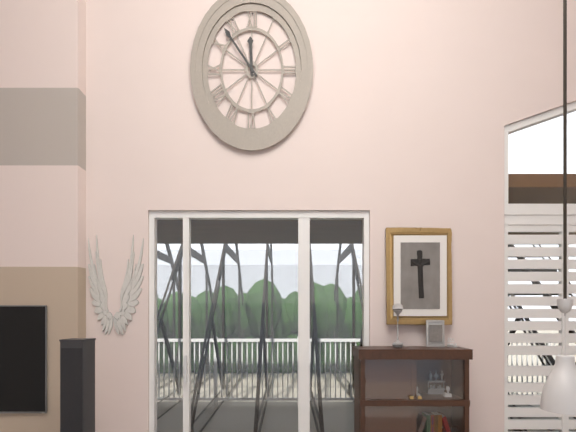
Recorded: h=11 m=53
